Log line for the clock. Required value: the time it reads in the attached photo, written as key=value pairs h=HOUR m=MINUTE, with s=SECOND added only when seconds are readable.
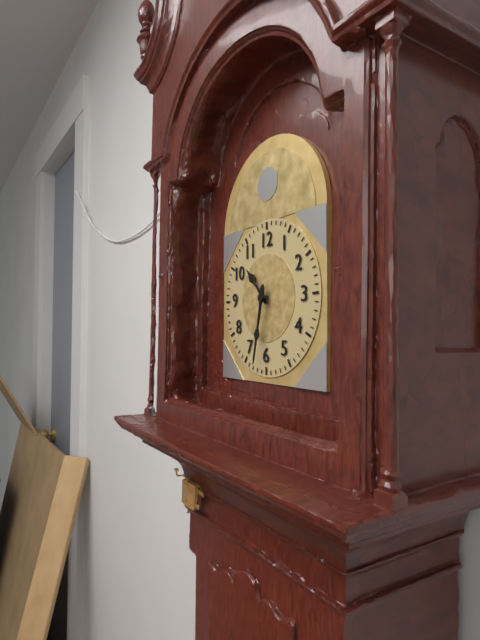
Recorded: h=10 m=32
